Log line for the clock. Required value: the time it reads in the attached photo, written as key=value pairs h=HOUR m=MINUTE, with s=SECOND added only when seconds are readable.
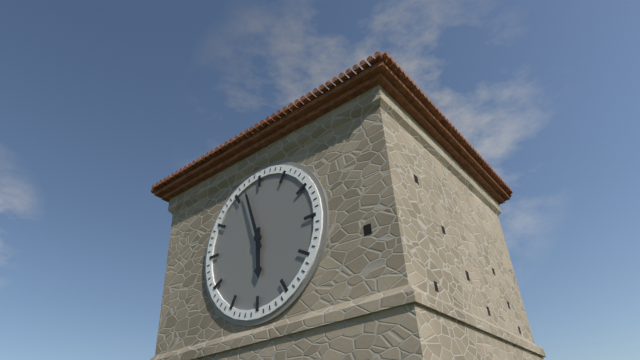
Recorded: h=5 m=57
